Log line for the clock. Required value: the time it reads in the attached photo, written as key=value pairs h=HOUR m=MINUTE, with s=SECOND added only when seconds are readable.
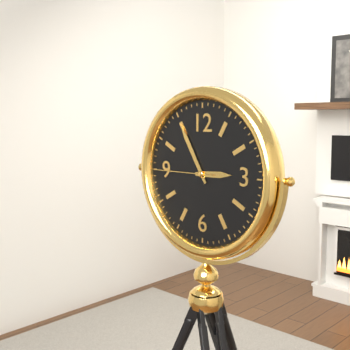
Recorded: h=2 m=55 s=45
